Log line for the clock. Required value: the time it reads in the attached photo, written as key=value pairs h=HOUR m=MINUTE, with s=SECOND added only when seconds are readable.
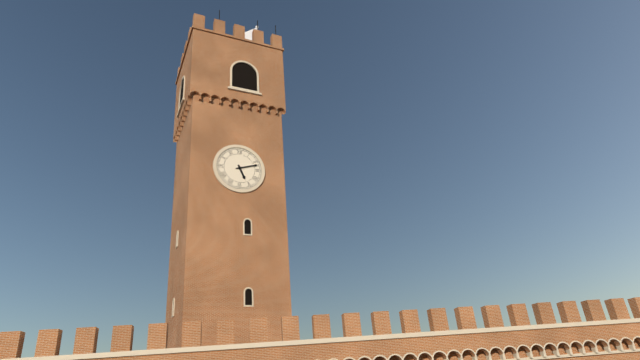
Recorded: h=5 m=12
